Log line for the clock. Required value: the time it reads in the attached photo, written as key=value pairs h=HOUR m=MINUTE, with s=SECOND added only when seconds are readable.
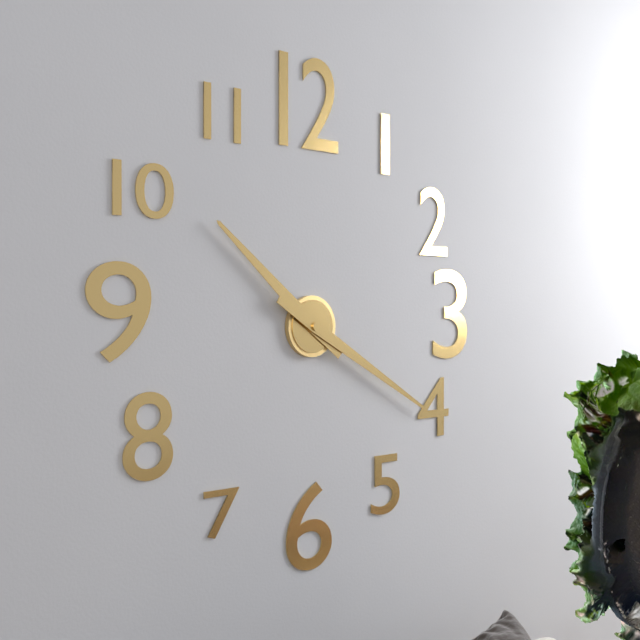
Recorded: h=10 m=20
